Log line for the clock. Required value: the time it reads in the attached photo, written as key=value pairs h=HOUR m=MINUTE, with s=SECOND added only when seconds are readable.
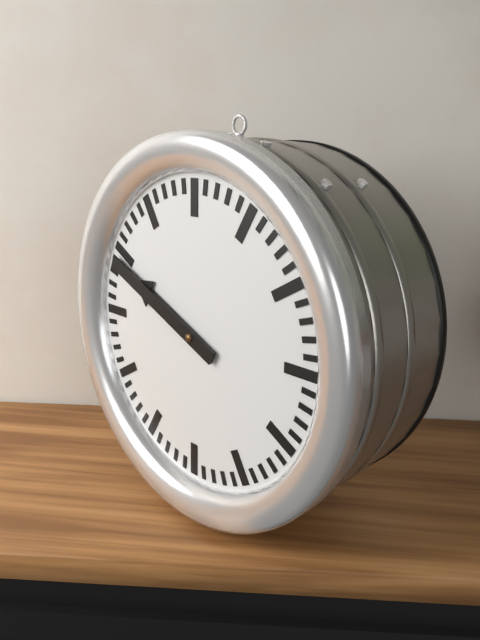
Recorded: h=9 m=49
